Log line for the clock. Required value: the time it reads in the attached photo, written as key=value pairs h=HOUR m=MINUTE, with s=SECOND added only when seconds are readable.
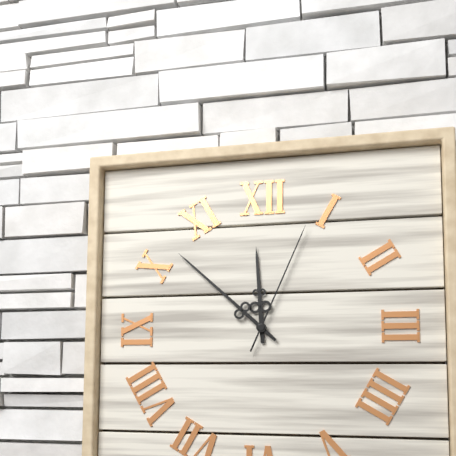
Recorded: h=11 m=52 s=4
